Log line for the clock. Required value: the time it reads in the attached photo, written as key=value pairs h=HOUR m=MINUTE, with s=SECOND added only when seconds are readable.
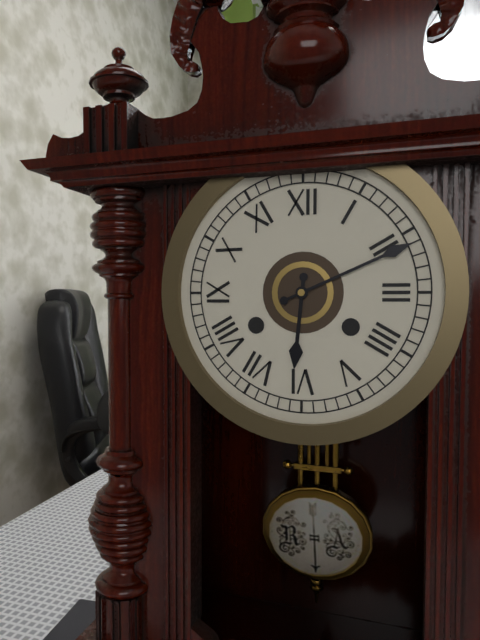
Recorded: h=6 m=11
